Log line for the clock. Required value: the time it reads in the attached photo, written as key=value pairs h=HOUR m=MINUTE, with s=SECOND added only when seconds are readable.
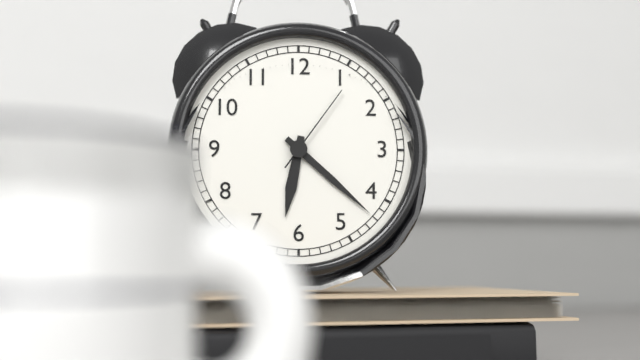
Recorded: h=6 m=22 s=6
